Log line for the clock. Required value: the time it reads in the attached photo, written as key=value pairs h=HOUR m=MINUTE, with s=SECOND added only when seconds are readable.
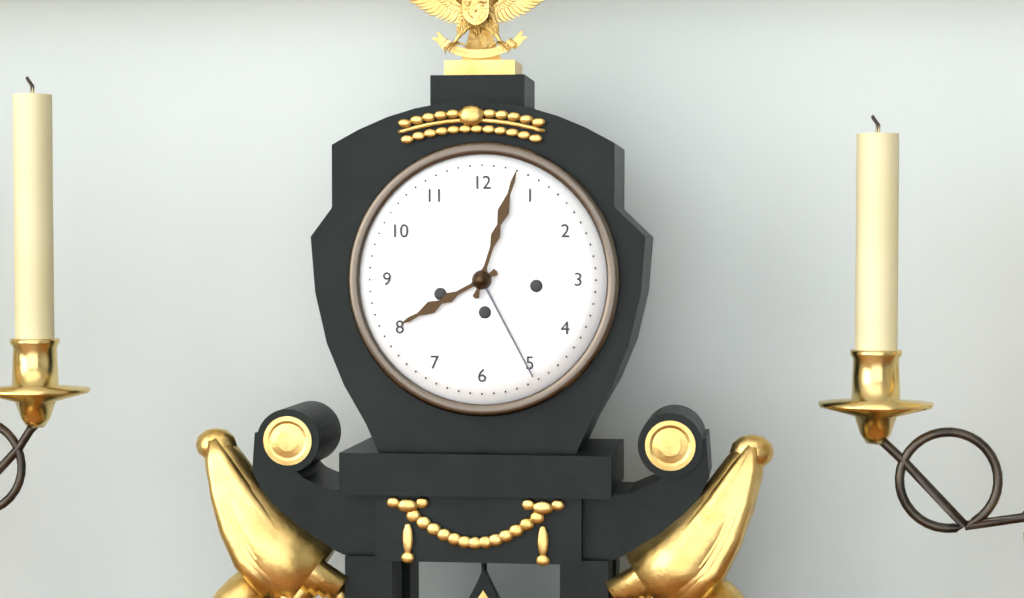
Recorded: h=8 m=3
